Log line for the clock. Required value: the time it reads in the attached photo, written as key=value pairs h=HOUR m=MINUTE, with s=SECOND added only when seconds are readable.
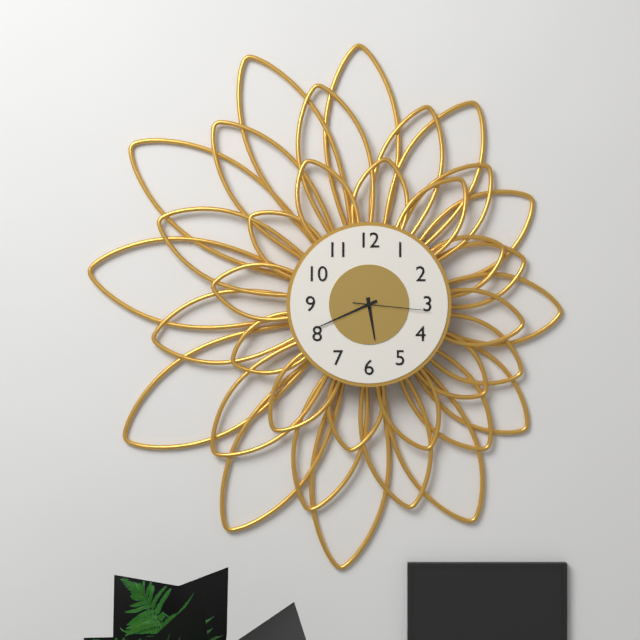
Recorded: h=5 m=41 s=16
